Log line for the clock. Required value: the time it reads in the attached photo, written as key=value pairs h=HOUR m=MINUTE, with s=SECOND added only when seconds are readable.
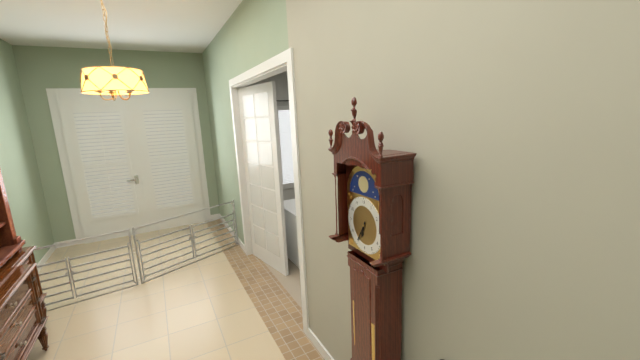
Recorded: h=6 m=35
